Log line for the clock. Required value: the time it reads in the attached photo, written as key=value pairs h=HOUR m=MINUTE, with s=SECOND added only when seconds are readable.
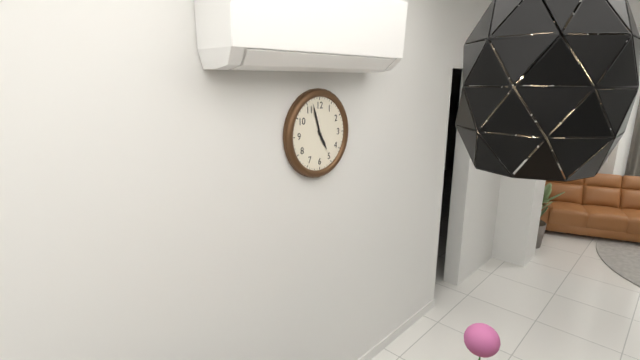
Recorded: h=4 m=57
